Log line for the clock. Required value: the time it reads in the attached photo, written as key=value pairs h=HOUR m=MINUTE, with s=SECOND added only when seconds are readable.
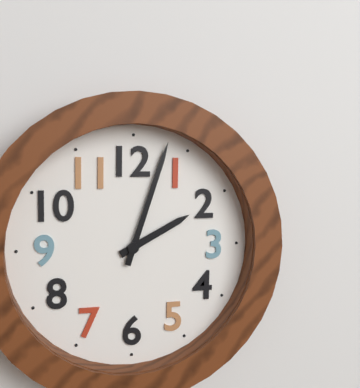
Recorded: h=2 m=3
